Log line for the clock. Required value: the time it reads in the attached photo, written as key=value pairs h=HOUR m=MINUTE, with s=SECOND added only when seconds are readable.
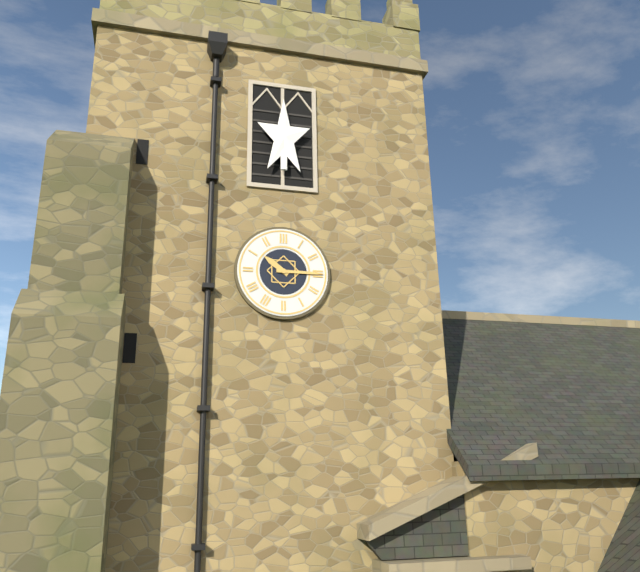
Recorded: h=10 m=15
